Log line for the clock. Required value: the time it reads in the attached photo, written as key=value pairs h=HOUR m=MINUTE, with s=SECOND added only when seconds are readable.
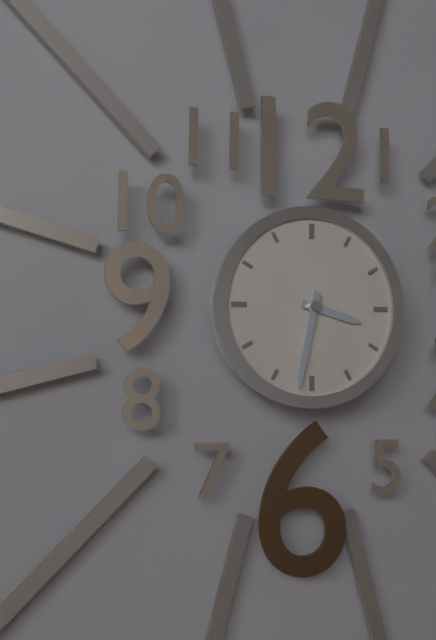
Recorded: h=3 m=32
